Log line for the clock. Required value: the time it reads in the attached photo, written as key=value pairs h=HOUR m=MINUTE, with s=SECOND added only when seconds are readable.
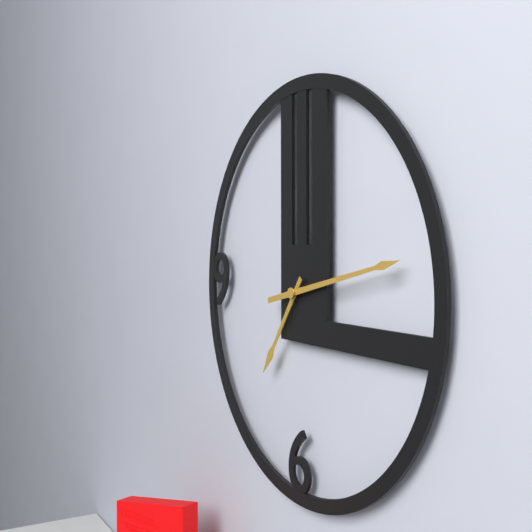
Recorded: h=7 m=13
